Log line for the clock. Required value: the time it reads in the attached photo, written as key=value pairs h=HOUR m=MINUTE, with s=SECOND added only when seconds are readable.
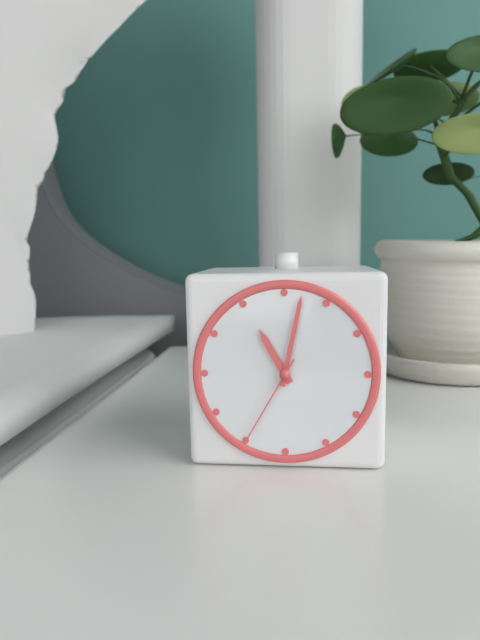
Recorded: h=11 m=2 s=35
